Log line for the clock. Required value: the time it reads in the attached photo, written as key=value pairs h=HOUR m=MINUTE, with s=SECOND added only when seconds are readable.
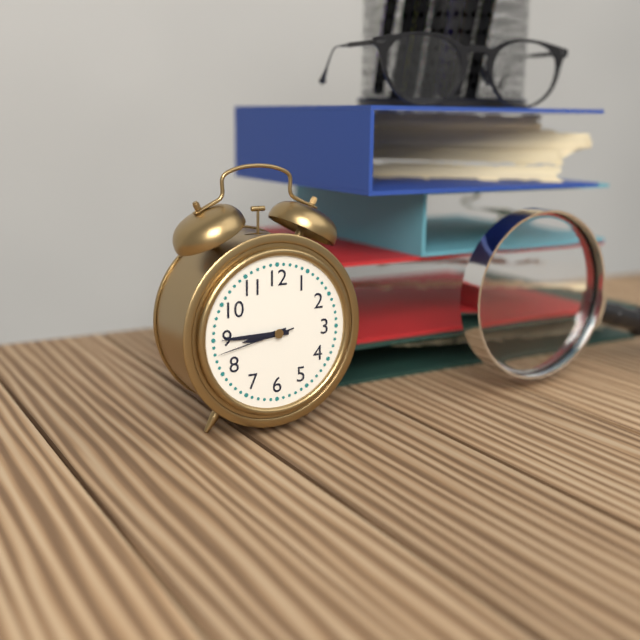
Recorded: h=8 m=45 s=43
